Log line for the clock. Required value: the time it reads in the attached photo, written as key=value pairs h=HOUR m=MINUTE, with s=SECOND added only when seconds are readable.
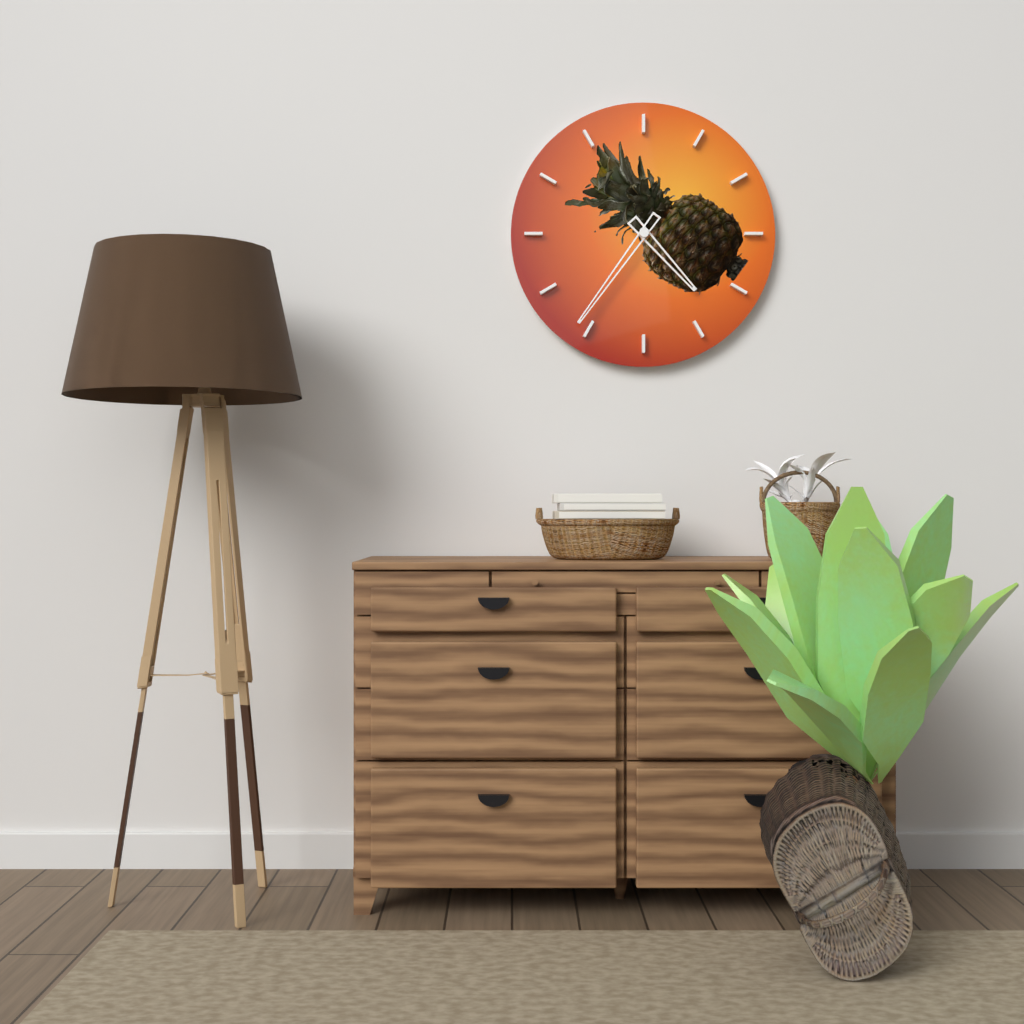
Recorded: h=4 m=36
